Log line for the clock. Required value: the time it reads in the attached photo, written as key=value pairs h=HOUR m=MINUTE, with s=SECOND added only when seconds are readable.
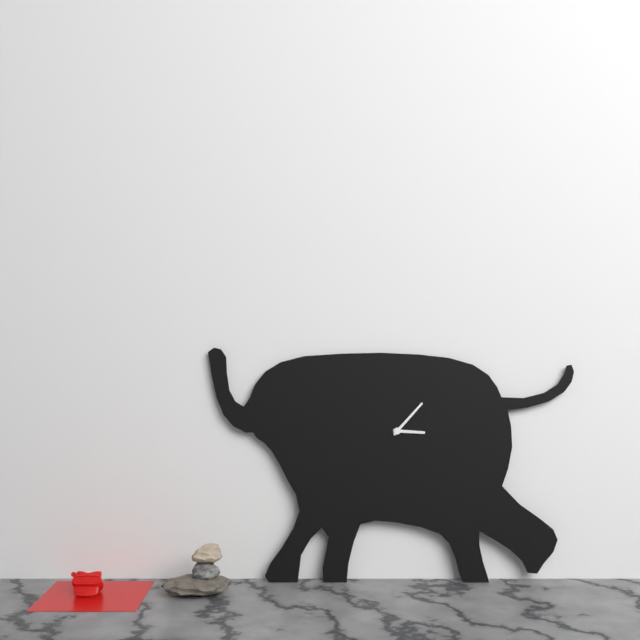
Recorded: h=3 m=7
